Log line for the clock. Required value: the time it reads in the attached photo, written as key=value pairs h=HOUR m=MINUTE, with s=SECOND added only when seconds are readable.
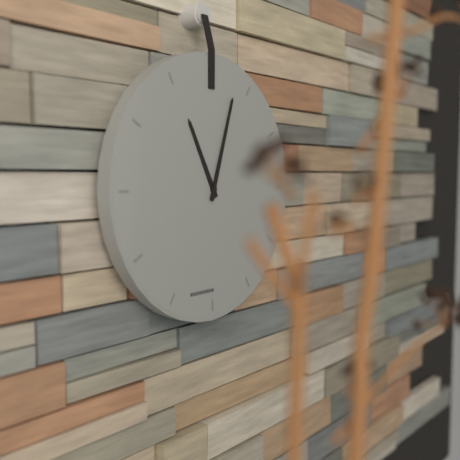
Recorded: h=11 m=3
